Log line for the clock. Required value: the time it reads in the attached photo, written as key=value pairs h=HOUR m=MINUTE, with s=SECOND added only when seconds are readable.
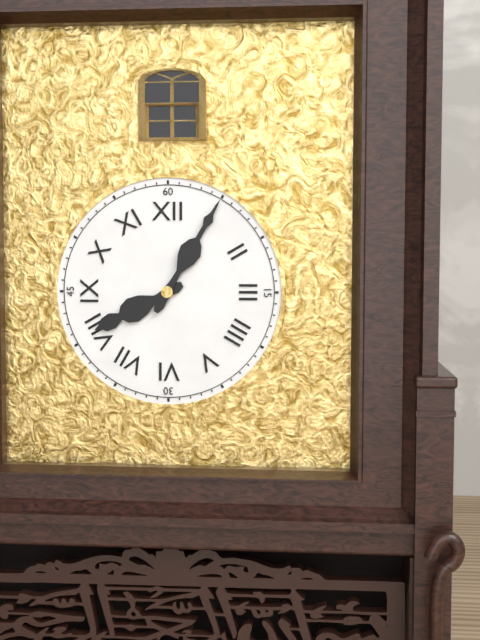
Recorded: h=8 m=5
